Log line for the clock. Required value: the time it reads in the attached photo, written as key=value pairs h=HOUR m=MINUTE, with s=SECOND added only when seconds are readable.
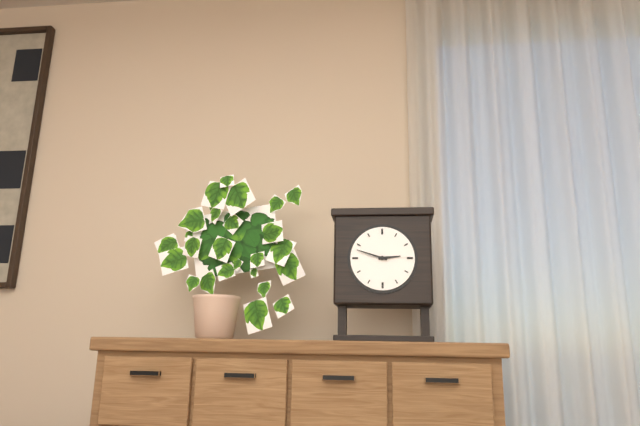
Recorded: h=2 m=48
